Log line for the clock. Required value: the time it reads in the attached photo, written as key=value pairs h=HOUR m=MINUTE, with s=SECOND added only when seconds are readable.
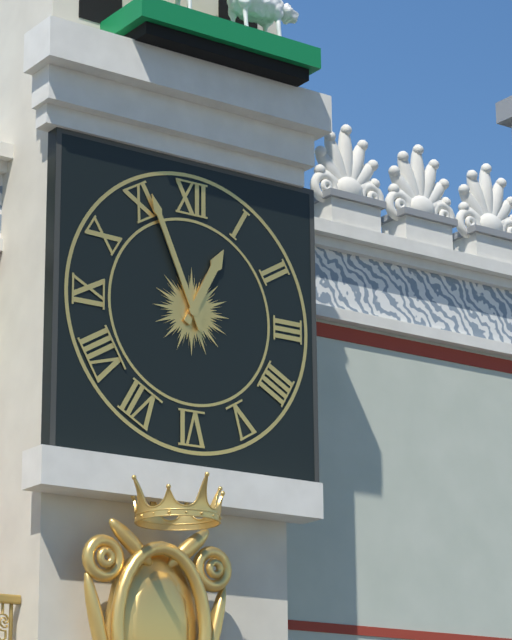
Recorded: h=12 m=56
